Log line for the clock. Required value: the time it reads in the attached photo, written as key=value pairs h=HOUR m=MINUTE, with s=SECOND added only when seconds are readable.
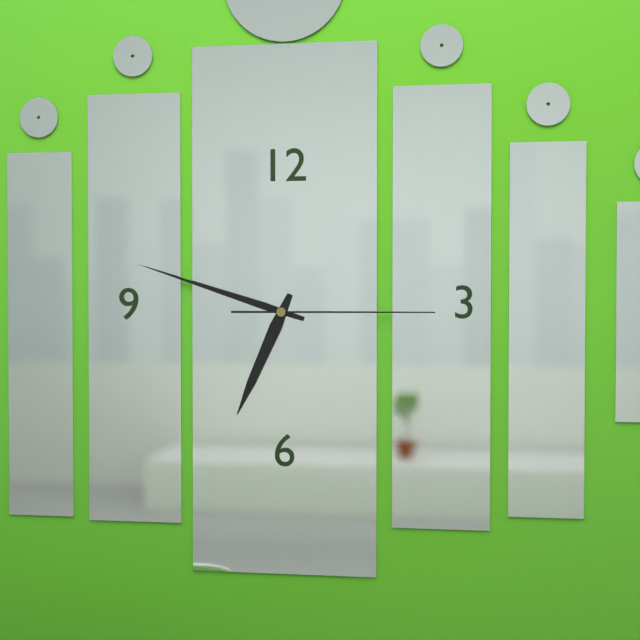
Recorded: h=6 m=48 s=15
